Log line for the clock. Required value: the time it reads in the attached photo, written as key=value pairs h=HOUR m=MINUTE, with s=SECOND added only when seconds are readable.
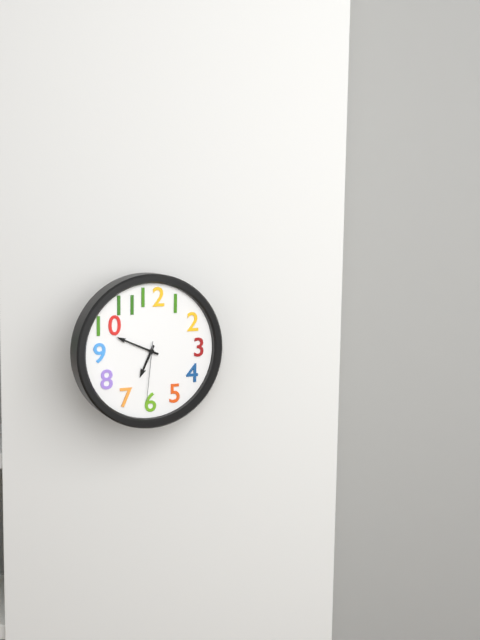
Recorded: h=6 m=49 s=31
